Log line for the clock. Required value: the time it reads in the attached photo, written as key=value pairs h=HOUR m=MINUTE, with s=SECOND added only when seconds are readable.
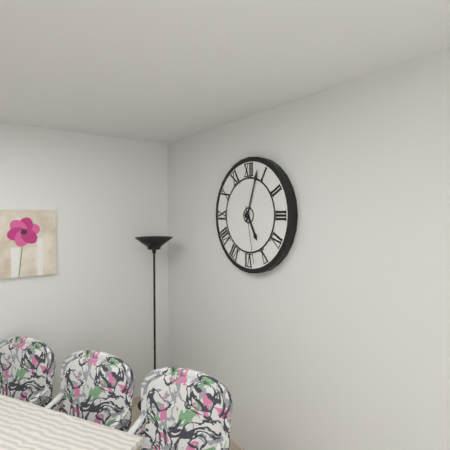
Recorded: h=5 m=3 s=28
